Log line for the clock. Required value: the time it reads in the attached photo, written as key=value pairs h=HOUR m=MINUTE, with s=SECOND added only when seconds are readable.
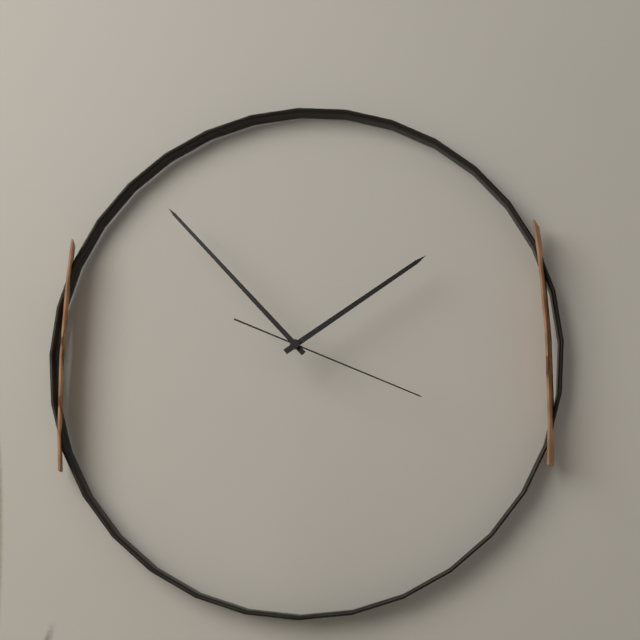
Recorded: h=1 m=53 s=19
